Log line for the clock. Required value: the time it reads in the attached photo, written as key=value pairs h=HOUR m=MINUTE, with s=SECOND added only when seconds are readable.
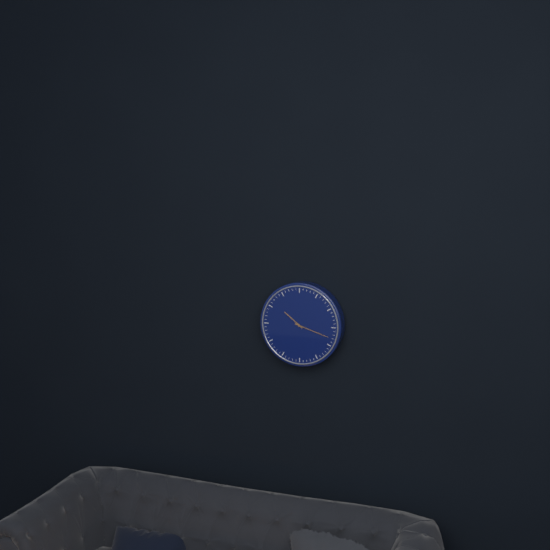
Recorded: h=10 m=18
